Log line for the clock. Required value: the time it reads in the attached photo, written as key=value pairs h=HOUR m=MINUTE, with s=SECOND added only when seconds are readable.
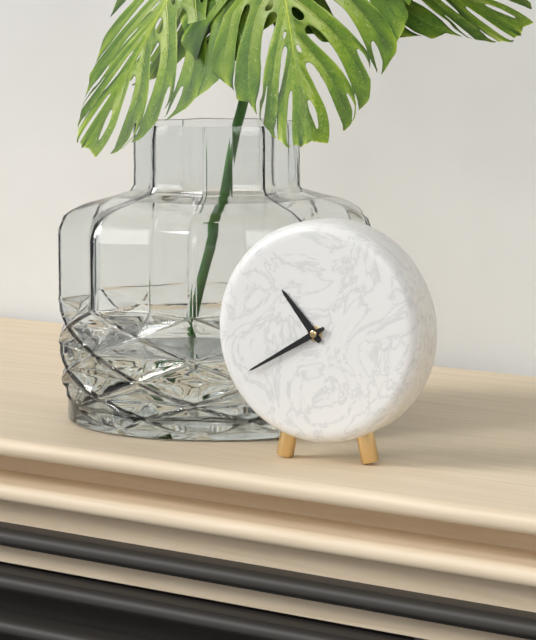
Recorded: h=10 m=40
